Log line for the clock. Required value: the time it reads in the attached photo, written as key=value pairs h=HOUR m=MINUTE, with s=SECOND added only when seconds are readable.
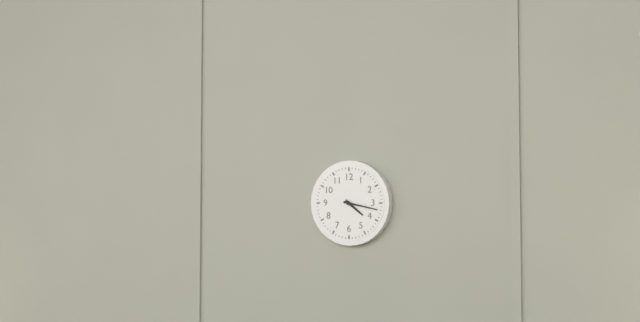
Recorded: h=4 m=17
